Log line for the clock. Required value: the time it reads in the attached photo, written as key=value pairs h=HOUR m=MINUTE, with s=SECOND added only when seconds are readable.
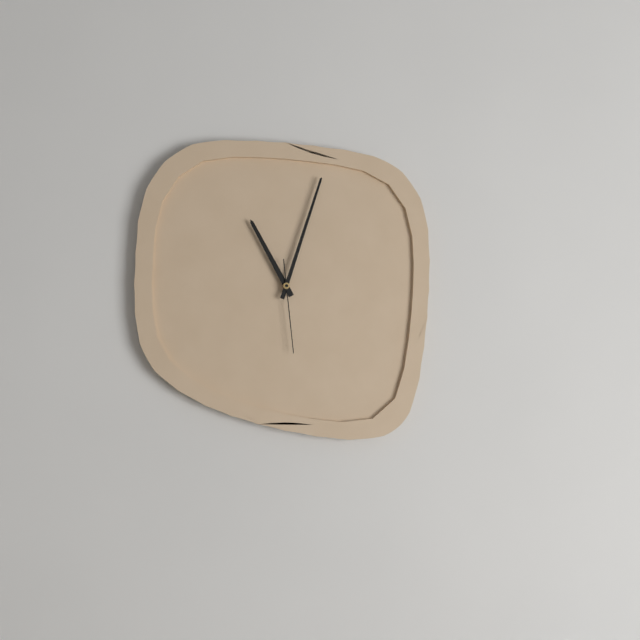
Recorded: h=11 m=3 s=29
